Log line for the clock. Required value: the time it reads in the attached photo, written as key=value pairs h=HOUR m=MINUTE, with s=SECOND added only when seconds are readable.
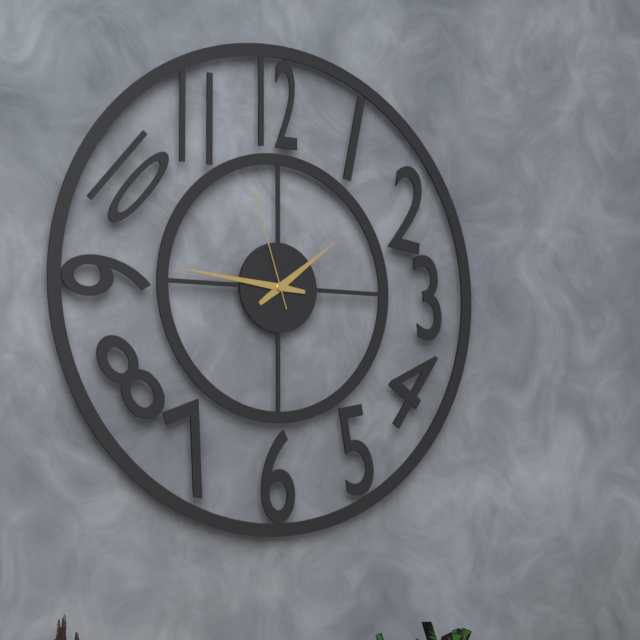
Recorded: h=1 m=46 s=57
